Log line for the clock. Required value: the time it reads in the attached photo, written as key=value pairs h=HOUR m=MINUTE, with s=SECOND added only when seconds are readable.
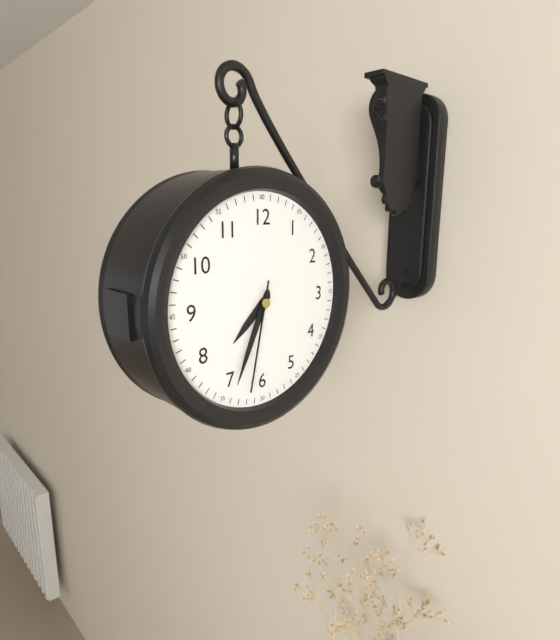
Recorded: h=7 m=34 s=32
